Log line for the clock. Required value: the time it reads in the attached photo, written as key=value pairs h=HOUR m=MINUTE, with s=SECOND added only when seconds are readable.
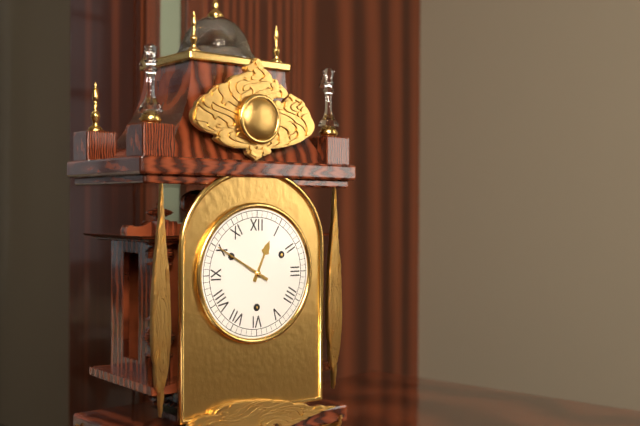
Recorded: h=12 m=50
